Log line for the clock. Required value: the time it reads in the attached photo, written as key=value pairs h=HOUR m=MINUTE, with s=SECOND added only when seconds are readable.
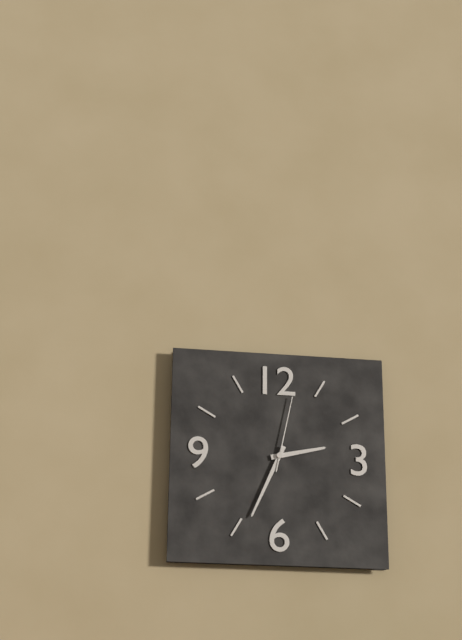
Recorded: h=2 m=34 s=2
